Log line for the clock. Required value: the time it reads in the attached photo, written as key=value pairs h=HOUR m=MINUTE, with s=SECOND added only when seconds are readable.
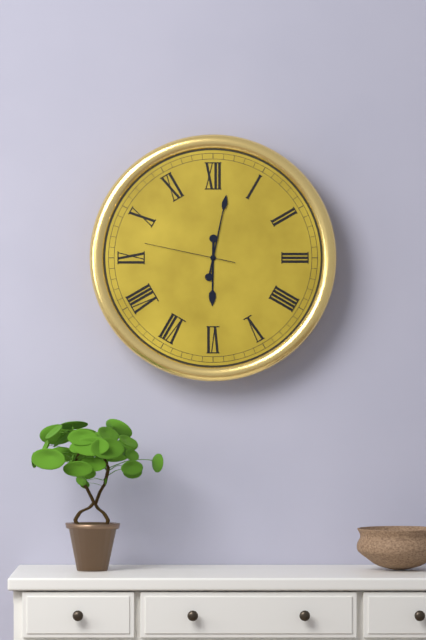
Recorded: h=6 m=2 s=47
